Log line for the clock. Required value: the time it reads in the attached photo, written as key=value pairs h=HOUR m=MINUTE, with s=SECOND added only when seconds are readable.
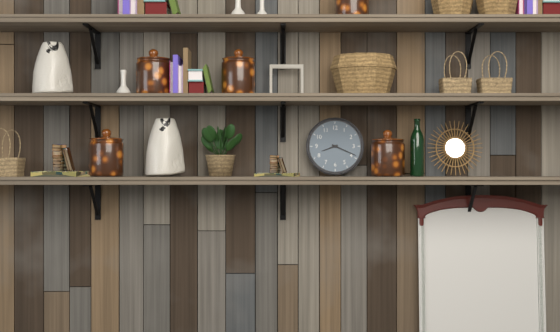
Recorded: h=8 m=19
